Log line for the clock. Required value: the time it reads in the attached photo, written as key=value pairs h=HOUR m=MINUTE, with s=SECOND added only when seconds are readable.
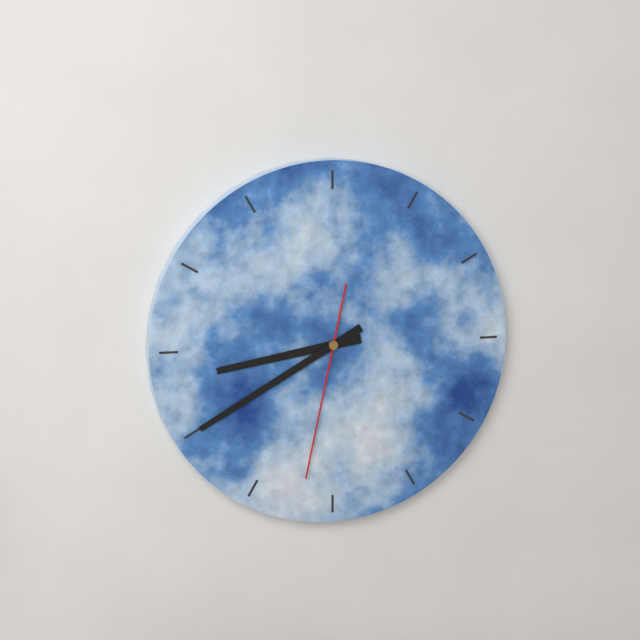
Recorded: h=8 m=40 s=32
